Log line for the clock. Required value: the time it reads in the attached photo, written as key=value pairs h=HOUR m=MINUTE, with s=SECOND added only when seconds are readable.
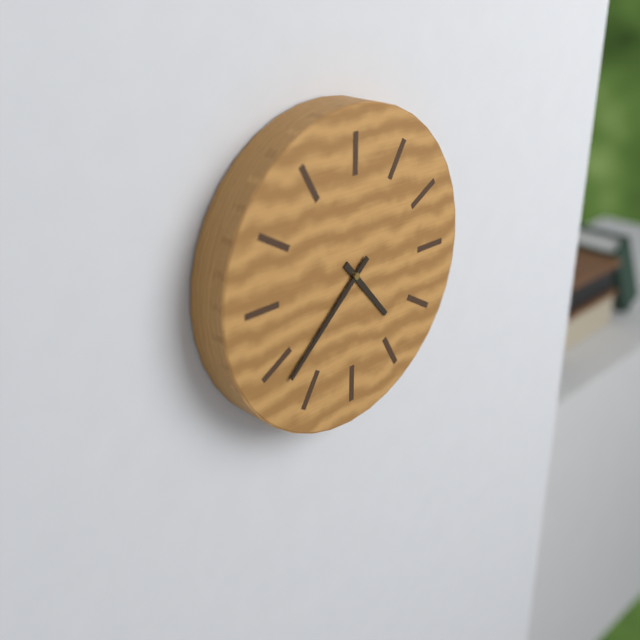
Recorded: h=4 m=38
